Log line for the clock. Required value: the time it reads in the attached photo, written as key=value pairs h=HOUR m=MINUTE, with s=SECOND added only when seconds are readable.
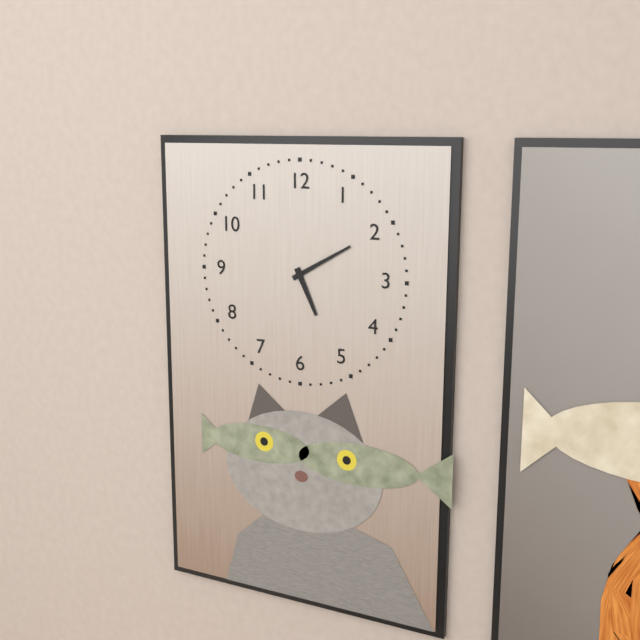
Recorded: h=5 m=10
